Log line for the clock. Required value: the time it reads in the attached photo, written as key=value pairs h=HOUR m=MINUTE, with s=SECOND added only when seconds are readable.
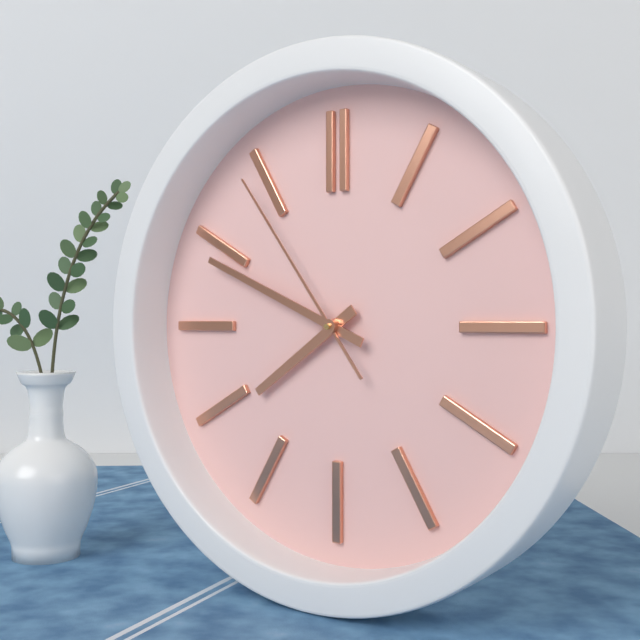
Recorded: h=7 m=49 s=54
